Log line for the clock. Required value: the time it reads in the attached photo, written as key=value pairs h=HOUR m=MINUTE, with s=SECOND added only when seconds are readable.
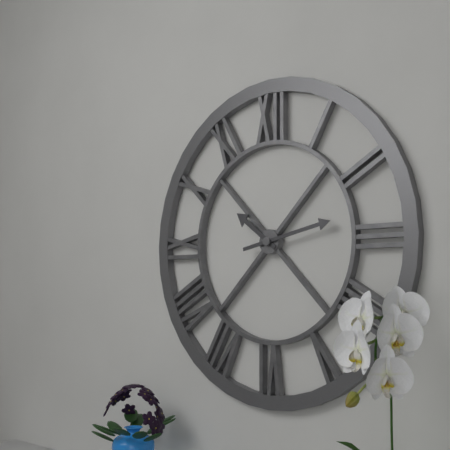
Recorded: h=10 m=13
